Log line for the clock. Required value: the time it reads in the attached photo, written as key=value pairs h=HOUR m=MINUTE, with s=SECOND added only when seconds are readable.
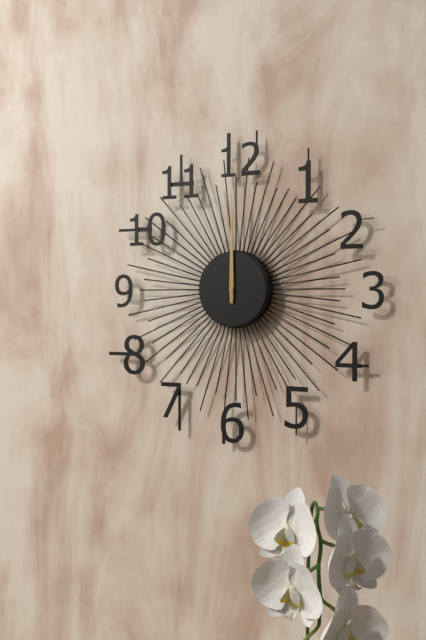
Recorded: h=12 m=0
